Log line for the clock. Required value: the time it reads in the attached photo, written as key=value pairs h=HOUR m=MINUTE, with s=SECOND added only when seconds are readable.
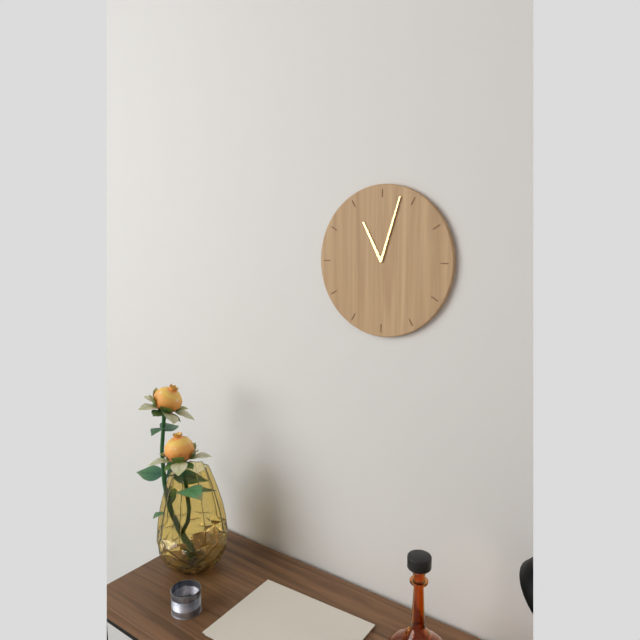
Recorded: h=11 m=3
